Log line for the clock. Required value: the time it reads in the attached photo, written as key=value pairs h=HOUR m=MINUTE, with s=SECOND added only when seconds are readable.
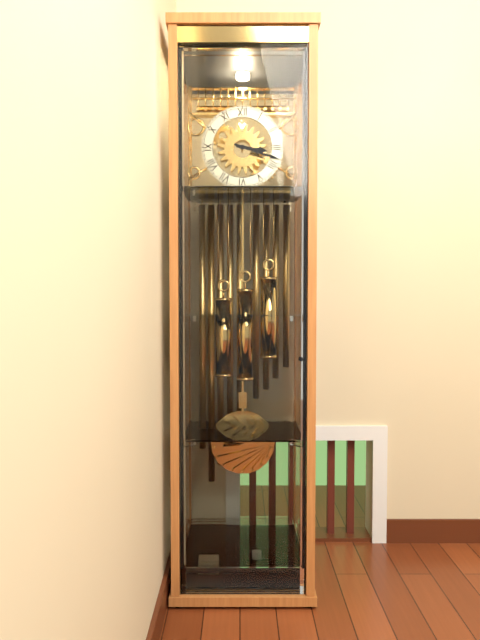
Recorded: h=3 m=18
